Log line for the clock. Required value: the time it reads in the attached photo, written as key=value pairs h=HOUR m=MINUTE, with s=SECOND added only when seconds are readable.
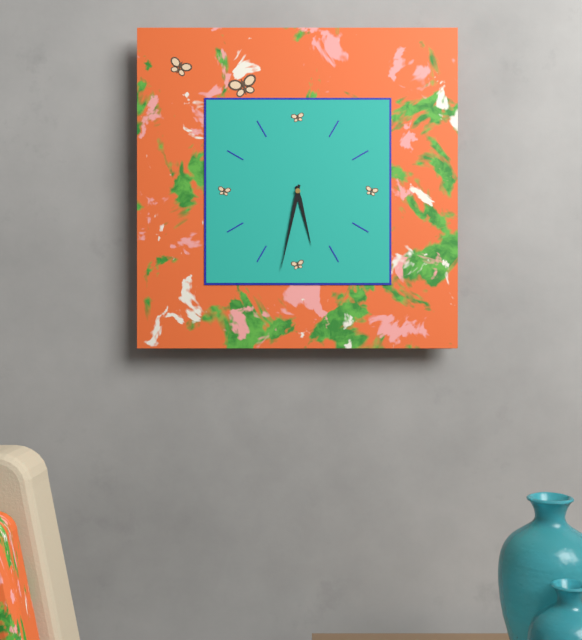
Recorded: h=5 m=32
